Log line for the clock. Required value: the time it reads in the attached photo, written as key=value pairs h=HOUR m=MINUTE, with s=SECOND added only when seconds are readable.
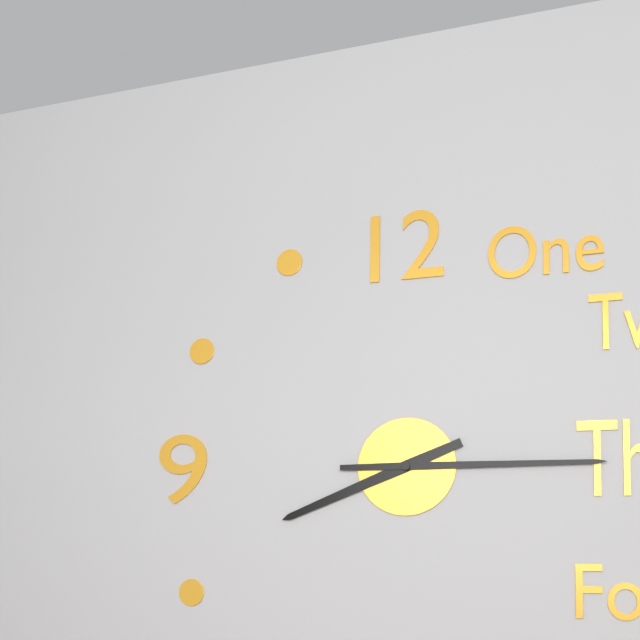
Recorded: h=8 m=15
